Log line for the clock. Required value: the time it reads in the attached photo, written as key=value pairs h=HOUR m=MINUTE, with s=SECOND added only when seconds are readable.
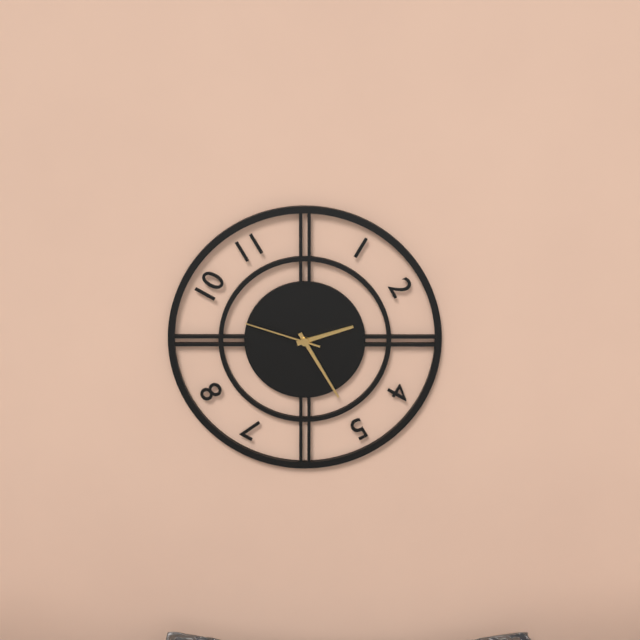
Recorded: h=2 m=25 s=48
